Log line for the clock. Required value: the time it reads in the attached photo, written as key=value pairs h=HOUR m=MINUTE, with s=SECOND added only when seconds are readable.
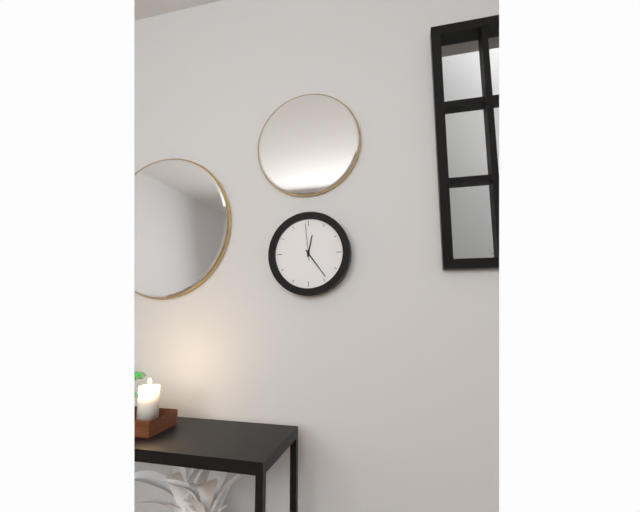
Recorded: h=12 m=24
